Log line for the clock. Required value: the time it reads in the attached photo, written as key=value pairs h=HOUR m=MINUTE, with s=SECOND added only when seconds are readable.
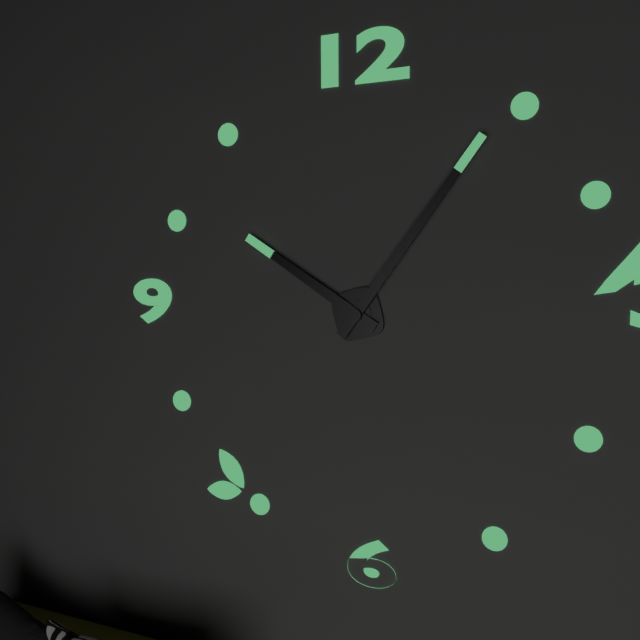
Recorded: h=10 m=6
